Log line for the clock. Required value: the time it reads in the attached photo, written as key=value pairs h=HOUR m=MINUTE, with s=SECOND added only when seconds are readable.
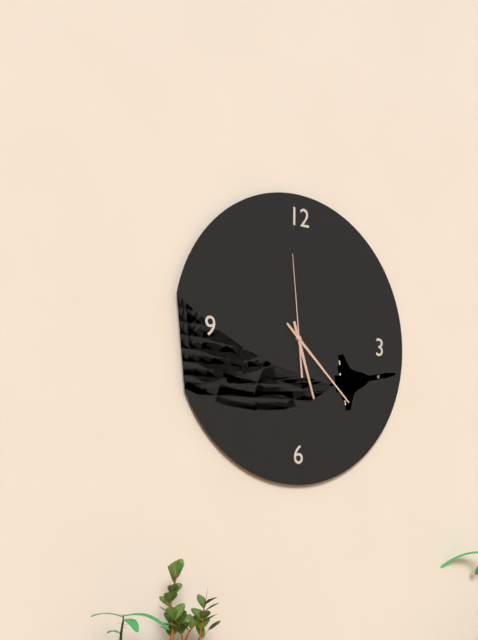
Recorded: h=5 m=22 s=59
